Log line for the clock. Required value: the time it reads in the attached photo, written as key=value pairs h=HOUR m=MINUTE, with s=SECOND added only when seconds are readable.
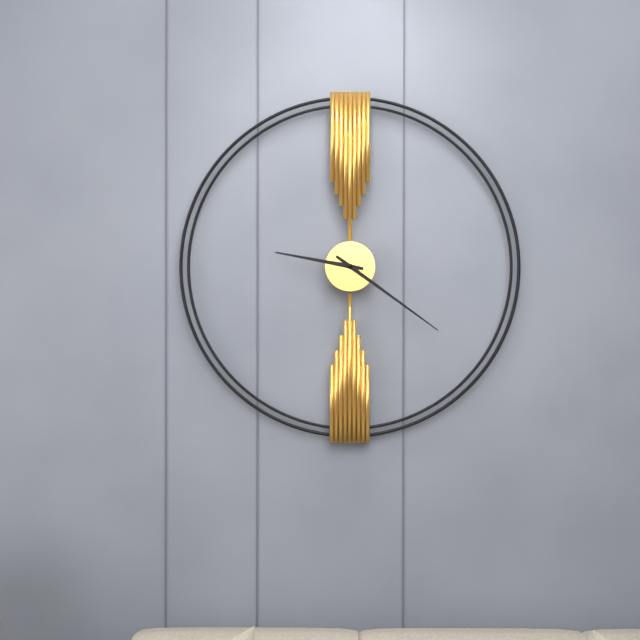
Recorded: h=9 m=21
